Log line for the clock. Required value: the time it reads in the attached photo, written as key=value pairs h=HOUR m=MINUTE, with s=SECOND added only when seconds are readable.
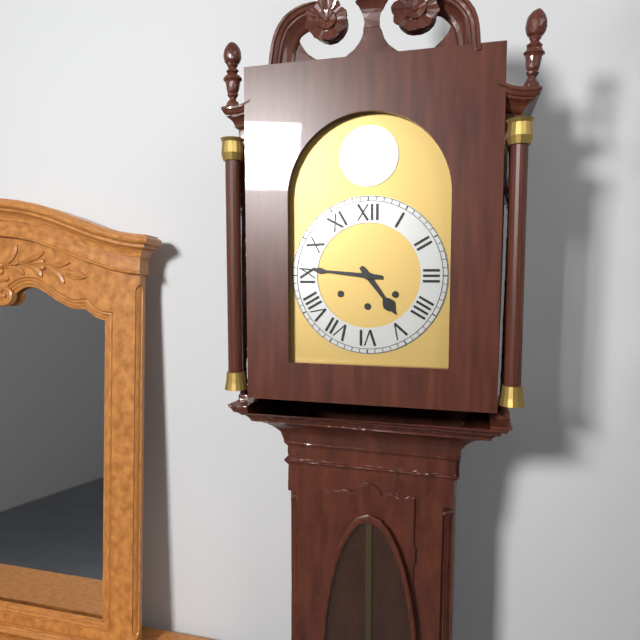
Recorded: h=4 m=46
